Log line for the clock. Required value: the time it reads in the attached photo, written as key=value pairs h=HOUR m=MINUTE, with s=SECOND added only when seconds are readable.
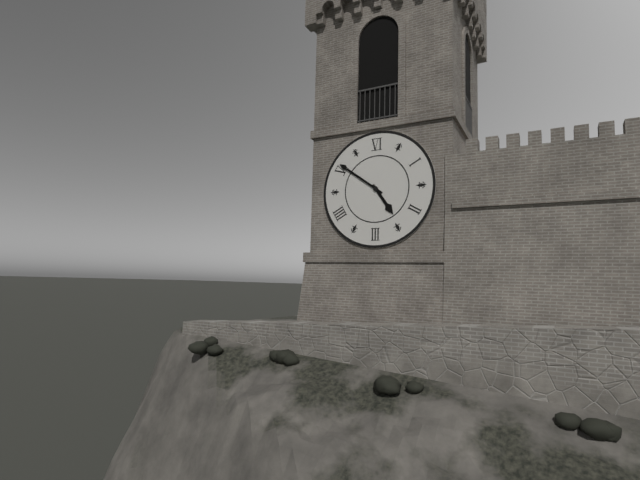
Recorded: h=4 m=51
